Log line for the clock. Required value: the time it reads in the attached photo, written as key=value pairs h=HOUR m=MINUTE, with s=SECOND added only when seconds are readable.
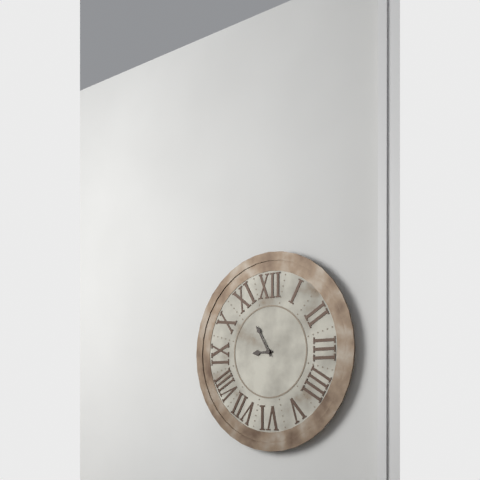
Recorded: h=8 m=55
